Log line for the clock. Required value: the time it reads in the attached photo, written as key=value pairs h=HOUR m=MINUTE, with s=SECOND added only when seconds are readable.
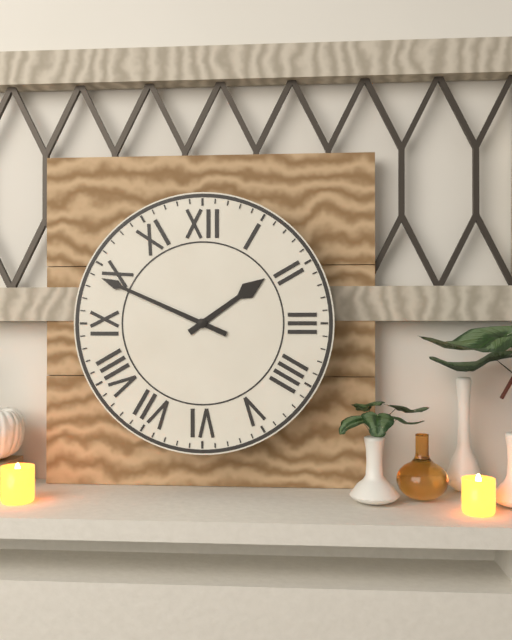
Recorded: h=1 m=49
